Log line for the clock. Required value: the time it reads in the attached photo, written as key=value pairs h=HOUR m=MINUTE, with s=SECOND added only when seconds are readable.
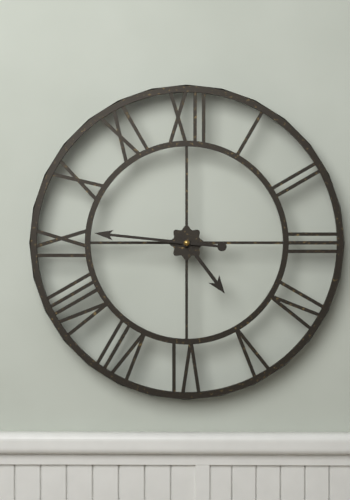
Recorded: h=4 m=46
